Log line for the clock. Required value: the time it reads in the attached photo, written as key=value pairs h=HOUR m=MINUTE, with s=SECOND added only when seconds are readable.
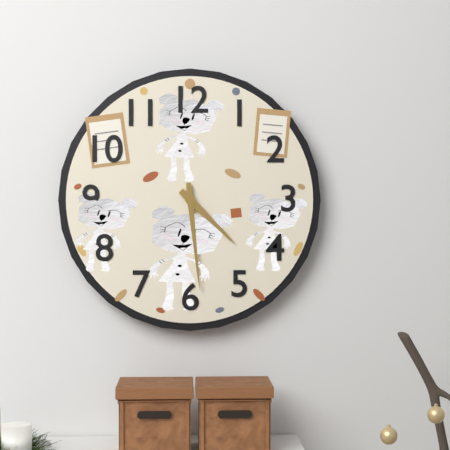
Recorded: h=4 m=29
